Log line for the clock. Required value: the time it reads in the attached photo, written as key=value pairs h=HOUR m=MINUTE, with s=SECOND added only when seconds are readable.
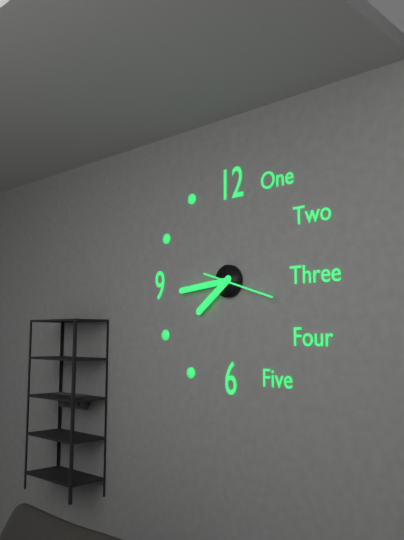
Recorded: h=7 m=44 s=18
